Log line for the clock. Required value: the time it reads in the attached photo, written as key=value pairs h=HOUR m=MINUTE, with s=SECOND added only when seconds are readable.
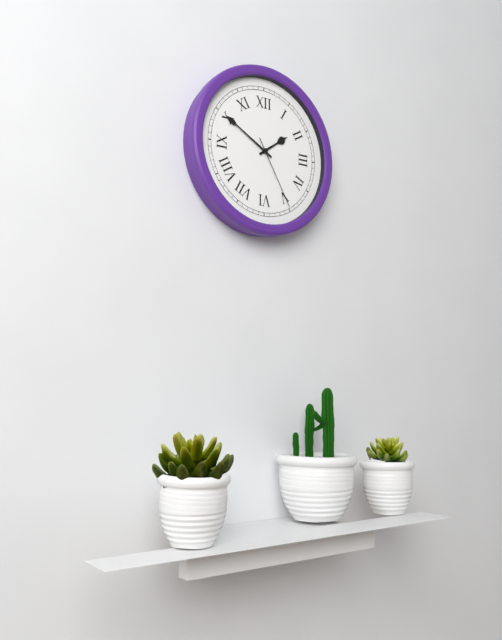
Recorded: h=1 m=50 s=25
